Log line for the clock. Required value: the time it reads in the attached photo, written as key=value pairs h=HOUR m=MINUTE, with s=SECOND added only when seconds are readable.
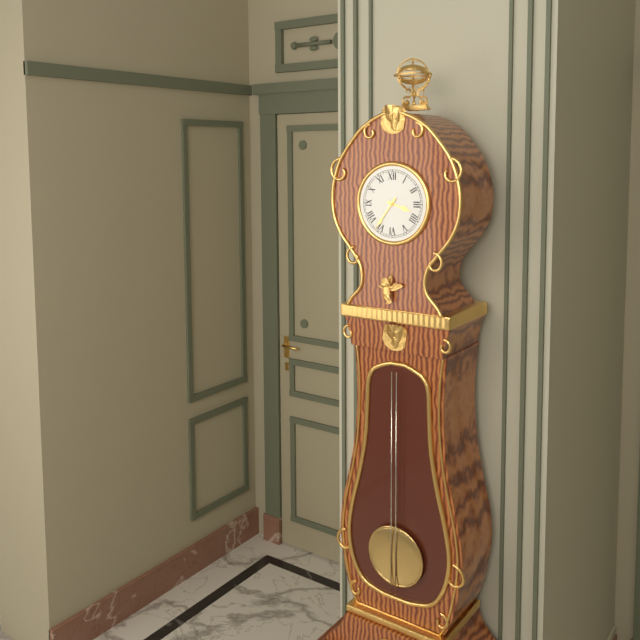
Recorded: h=3 m=36
